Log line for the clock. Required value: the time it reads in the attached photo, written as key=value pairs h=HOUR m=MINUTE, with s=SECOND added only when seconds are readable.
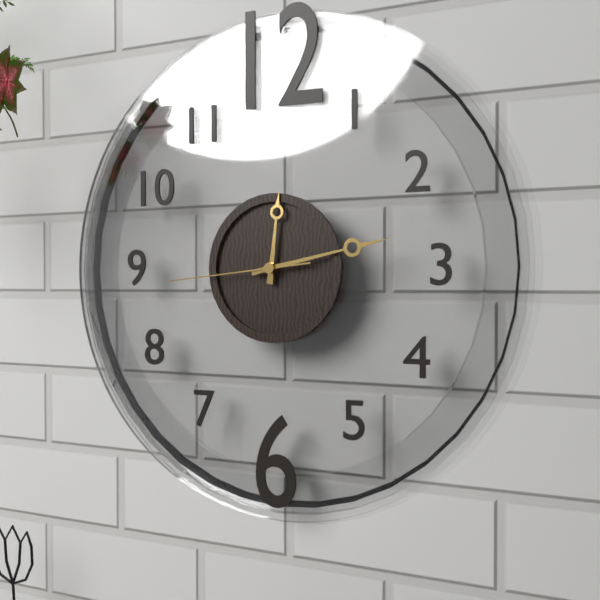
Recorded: h=12 m=13 s=44
